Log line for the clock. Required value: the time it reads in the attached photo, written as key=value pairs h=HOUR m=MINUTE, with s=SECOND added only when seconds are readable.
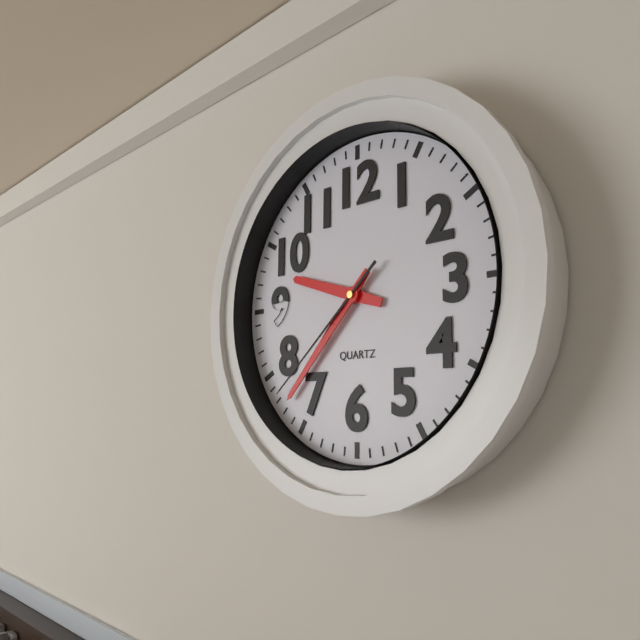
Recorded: h=9 m=37 s=38
